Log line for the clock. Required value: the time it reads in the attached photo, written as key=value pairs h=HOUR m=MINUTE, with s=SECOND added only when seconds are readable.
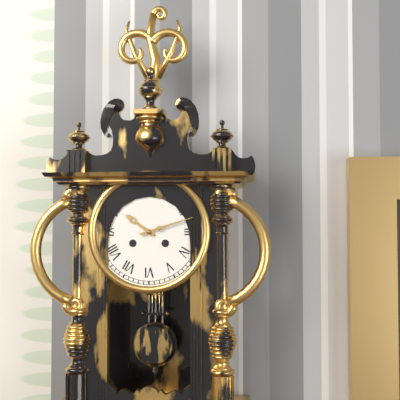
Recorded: h=10 m=12
